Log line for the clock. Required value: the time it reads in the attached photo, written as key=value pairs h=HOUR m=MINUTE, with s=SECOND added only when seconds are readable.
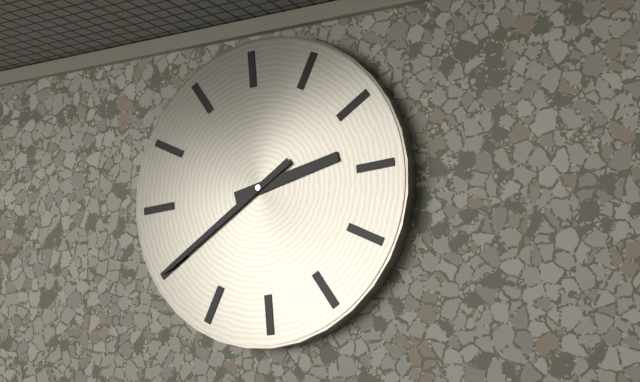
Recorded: h=2 m=40
